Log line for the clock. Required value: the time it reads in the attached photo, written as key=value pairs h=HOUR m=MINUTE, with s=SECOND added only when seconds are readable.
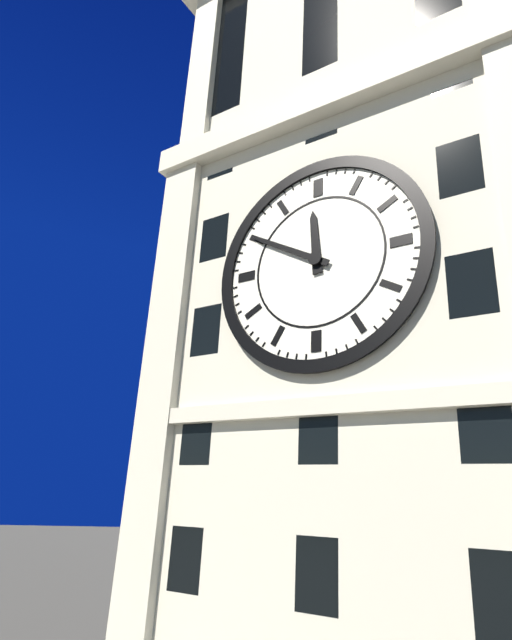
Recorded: h=11 m=50
